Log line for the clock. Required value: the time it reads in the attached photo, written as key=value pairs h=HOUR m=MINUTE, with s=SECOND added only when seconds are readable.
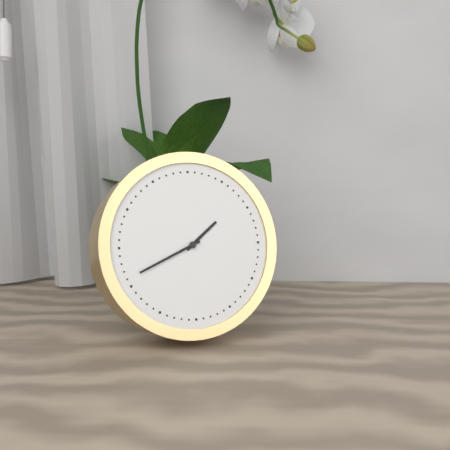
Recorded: h=1 m=41
